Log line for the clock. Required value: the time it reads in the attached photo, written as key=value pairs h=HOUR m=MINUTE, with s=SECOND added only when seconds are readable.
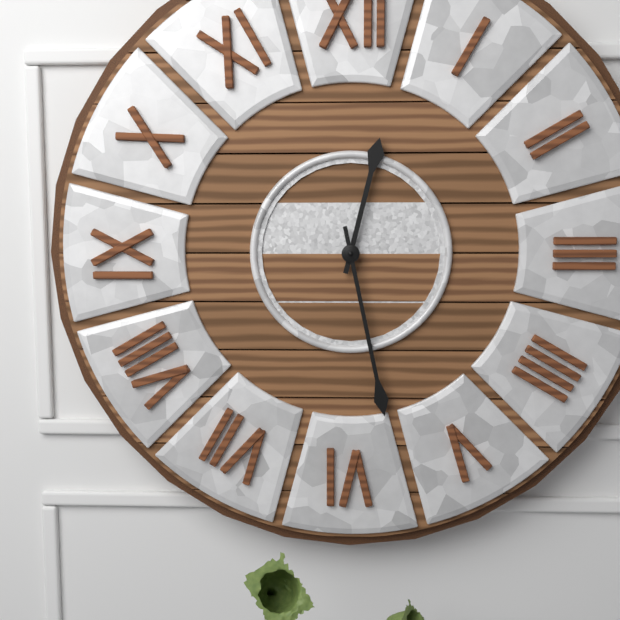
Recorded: h=12 m=28
